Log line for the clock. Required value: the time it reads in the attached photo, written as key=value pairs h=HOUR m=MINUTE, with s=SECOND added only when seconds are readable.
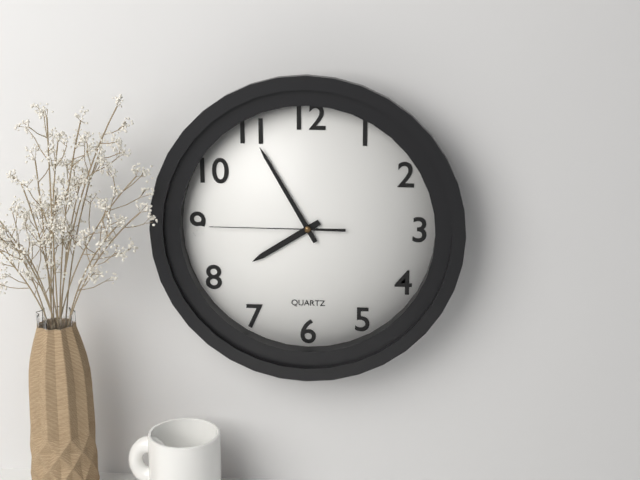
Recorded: h=7 m=55 s=45
